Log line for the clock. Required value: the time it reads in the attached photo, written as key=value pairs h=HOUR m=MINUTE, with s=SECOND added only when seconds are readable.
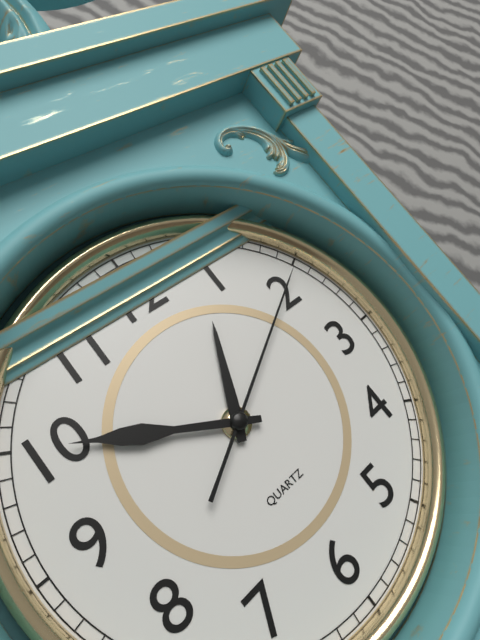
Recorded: h=12 m=50 s=10
